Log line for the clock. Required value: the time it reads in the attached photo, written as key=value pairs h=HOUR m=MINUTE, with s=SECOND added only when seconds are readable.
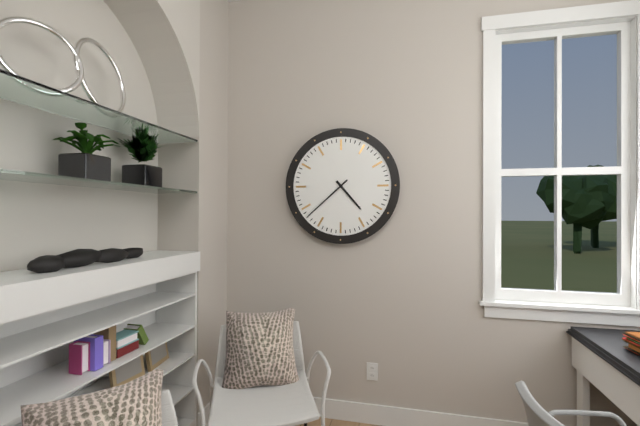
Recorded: h=4 m=38
